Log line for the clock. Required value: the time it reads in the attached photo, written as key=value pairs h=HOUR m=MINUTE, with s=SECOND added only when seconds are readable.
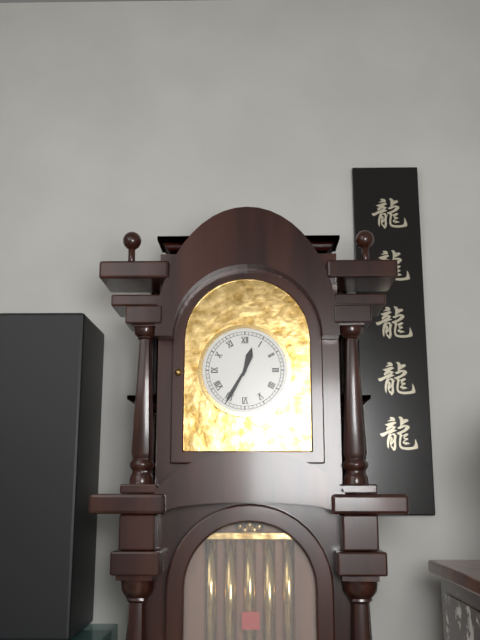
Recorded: h=12 m=35
